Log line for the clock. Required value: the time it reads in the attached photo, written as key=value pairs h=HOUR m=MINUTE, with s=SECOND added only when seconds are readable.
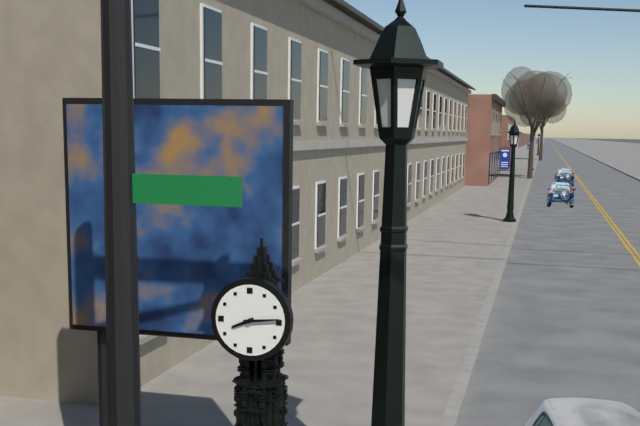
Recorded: h=8 m=14
